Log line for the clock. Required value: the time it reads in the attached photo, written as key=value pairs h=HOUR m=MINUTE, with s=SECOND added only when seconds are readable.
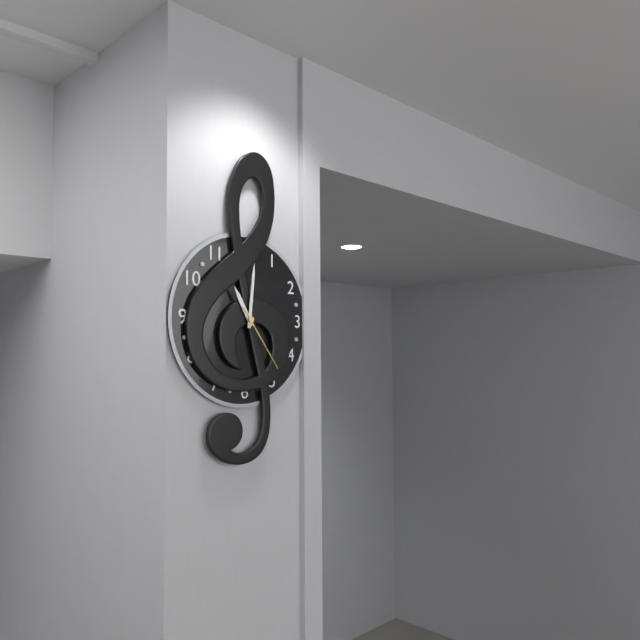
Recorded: h=11 m=1 s=24
